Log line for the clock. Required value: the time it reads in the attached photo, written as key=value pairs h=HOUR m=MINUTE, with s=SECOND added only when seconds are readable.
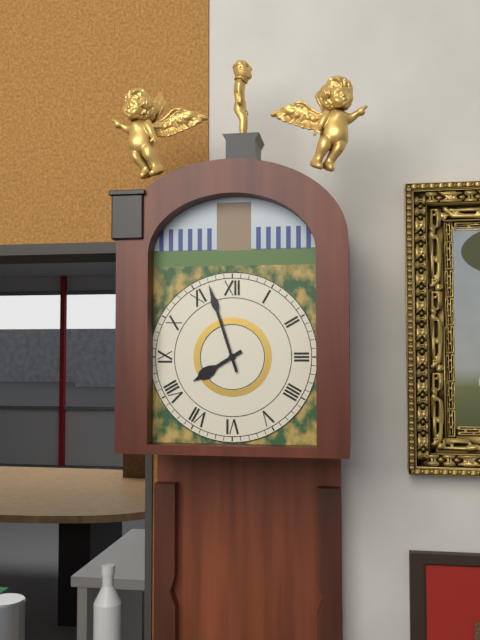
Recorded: h=7 m=57
